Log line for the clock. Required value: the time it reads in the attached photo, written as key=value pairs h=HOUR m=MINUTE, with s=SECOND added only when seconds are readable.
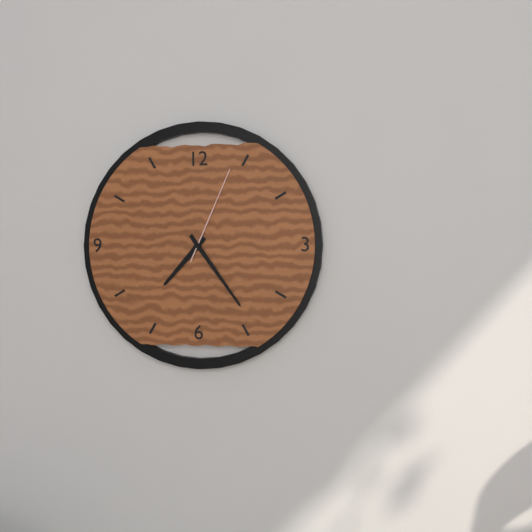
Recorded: h=7 m=24 s=4
